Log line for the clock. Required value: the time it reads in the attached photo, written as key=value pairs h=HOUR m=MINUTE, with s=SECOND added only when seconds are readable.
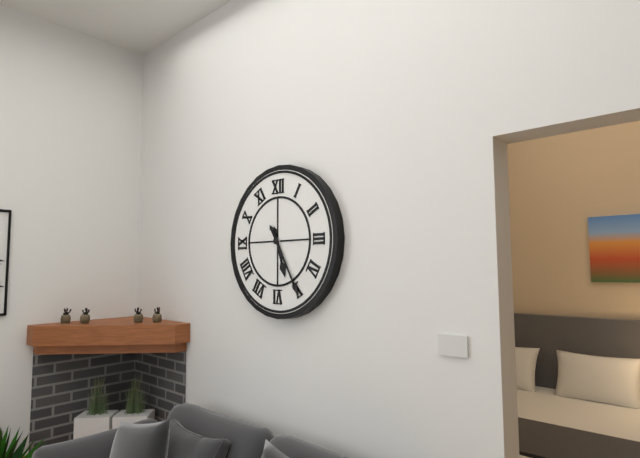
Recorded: h=5 m=25
